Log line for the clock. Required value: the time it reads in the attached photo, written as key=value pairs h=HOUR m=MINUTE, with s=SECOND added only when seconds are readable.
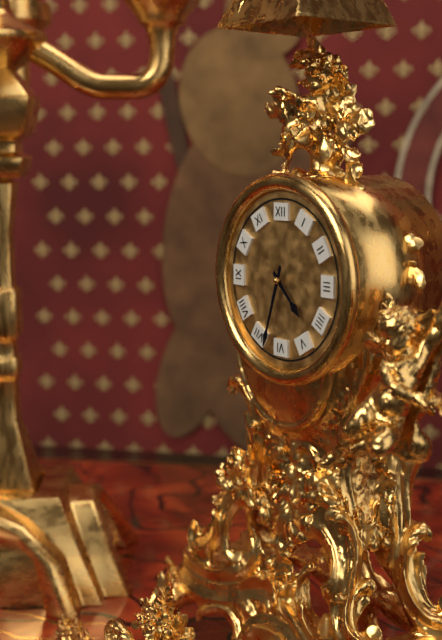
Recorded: h=4 m=33
